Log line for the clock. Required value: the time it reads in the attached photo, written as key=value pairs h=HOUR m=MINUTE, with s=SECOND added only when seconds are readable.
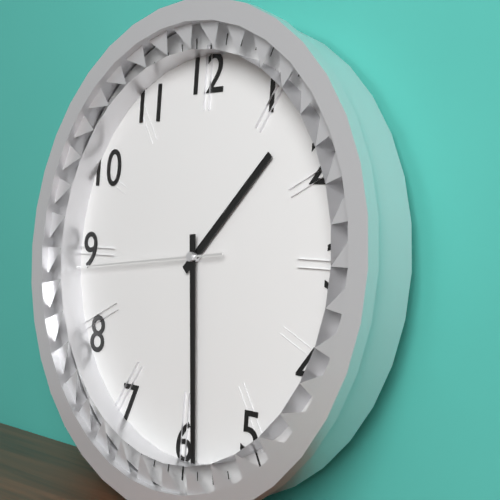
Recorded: h=1 m=29 s=44
